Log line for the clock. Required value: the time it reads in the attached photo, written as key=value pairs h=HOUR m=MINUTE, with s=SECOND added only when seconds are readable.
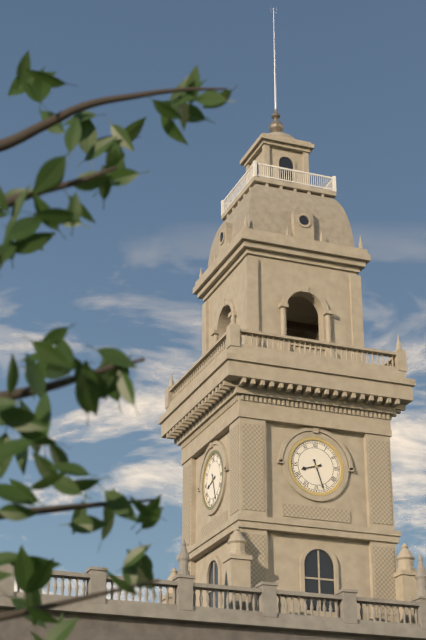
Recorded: h=8 m=27
